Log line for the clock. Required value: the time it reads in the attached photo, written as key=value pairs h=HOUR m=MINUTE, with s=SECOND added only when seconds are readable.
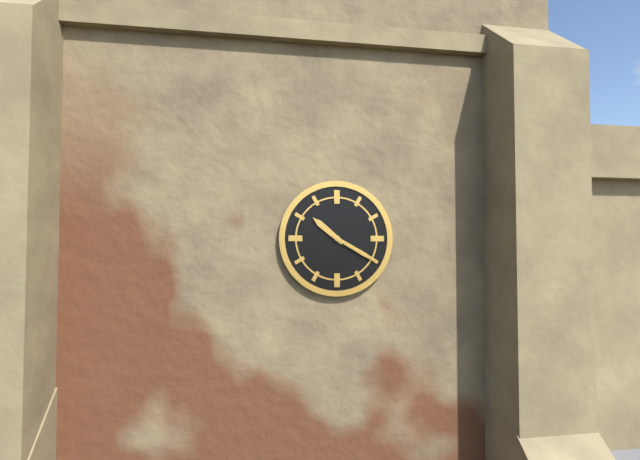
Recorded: h=10 m=20
